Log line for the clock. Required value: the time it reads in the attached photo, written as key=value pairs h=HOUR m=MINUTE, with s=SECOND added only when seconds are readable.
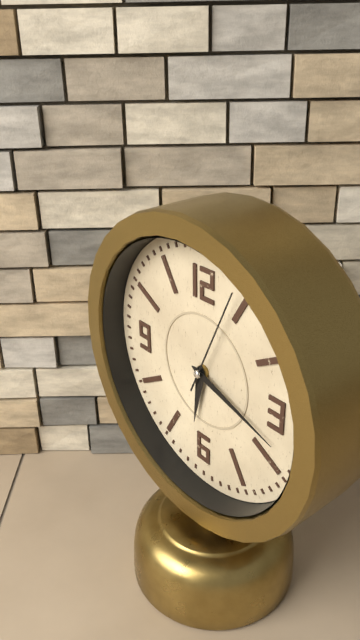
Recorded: h=6 m=18 s=4
